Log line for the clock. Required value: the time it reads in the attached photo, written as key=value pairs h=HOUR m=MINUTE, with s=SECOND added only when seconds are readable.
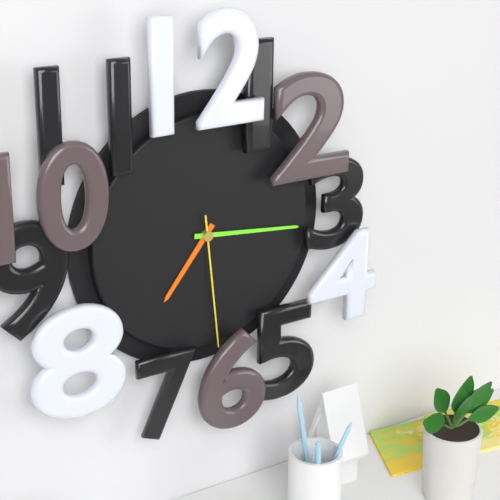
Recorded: h=7 m=16 s=29
